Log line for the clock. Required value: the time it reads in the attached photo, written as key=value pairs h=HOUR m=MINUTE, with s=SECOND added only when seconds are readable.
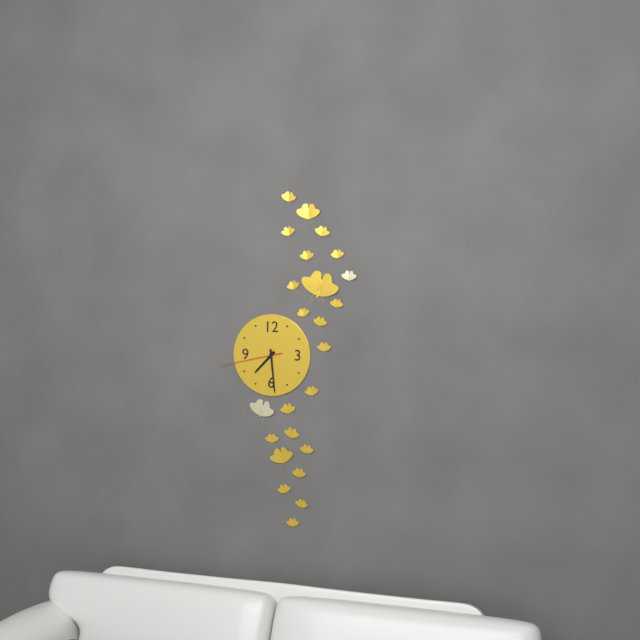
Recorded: h=7 m=29 s=43
